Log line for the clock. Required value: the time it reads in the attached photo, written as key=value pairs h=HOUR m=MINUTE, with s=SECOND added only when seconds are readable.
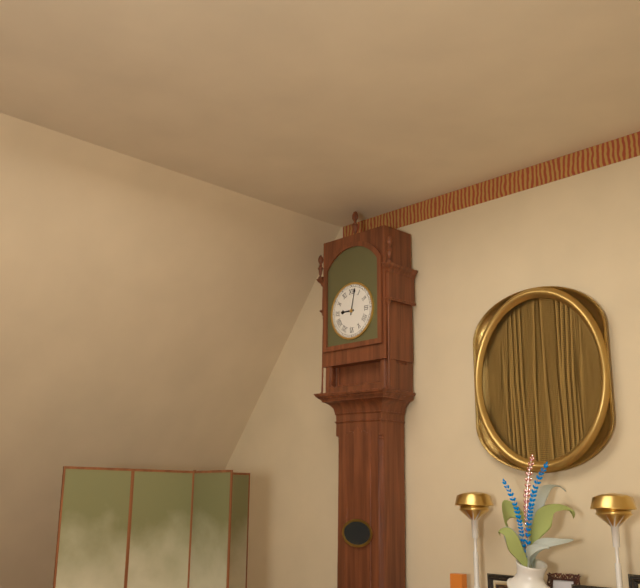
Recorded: h=9 m=2
